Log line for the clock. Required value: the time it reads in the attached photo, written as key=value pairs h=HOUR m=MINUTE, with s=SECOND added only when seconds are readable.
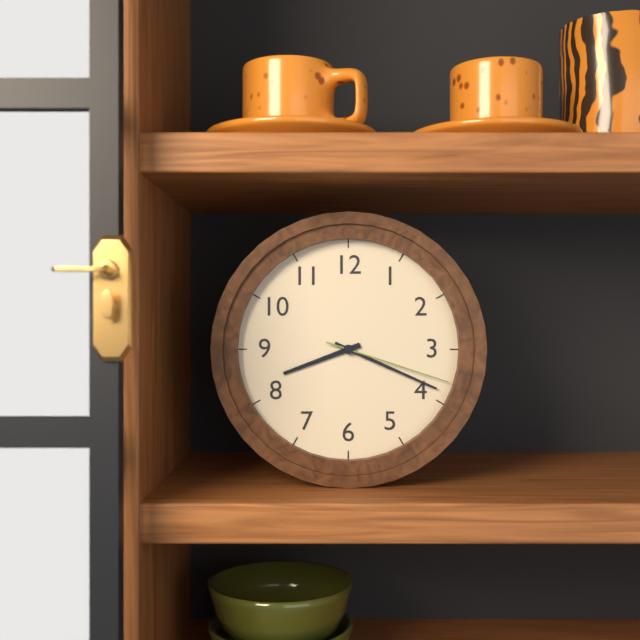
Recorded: h=8 m=19 s=18
